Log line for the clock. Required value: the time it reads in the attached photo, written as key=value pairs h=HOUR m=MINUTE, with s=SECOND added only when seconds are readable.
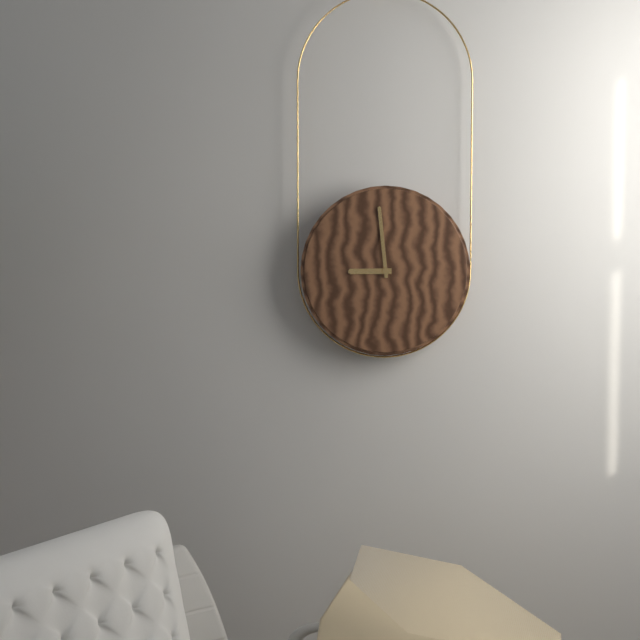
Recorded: h=8 m=59
